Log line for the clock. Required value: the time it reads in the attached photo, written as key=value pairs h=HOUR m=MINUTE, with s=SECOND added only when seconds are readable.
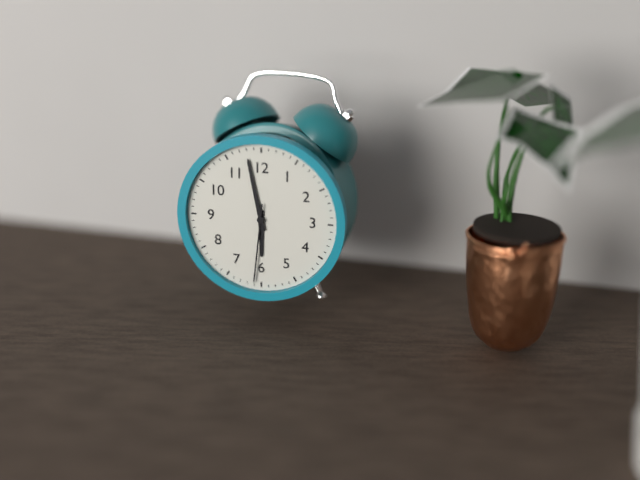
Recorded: h=5 m=58 s=31
